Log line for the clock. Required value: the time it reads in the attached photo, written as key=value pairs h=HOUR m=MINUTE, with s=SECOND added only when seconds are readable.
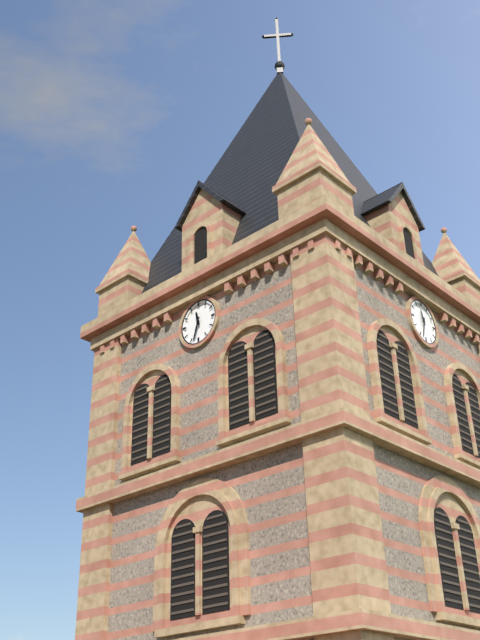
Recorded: h=11 m=33
